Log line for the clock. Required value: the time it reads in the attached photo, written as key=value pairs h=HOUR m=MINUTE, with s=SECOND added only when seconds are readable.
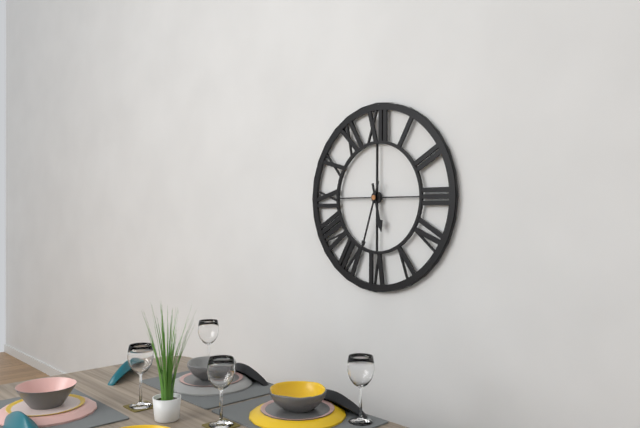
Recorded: h=5 m=33
